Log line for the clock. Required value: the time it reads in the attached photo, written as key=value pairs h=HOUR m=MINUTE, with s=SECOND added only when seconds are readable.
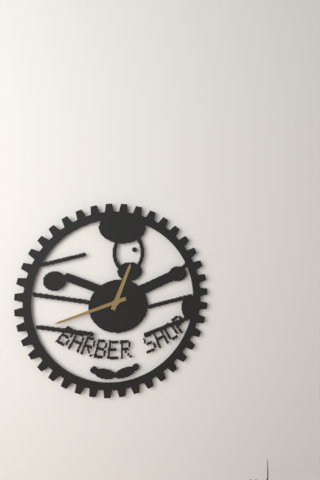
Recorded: h=12 m=42
